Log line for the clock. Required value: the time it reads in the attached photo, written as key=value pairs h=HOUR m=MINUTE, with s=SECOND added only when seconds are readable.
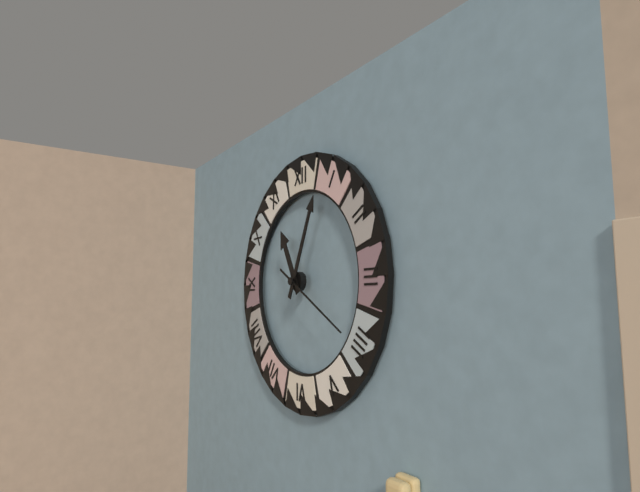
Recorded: h=11 m=4 s=20
